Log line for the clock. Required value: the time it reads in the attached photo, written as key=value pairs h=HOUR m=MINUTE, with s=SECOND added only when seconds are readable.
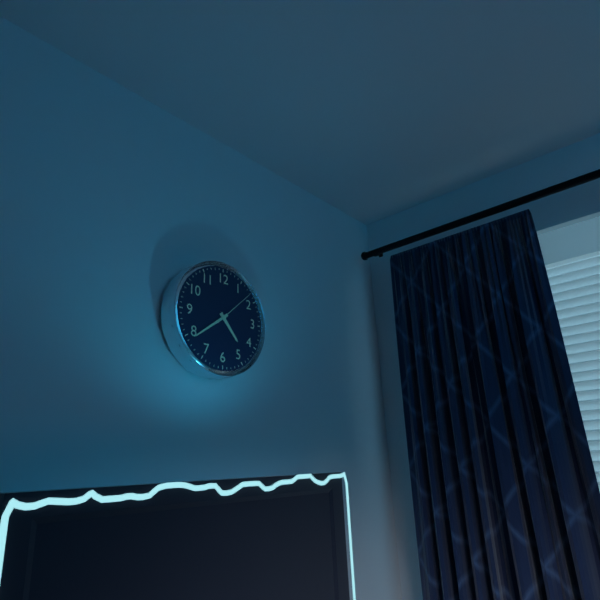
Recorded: h=4 m=39
